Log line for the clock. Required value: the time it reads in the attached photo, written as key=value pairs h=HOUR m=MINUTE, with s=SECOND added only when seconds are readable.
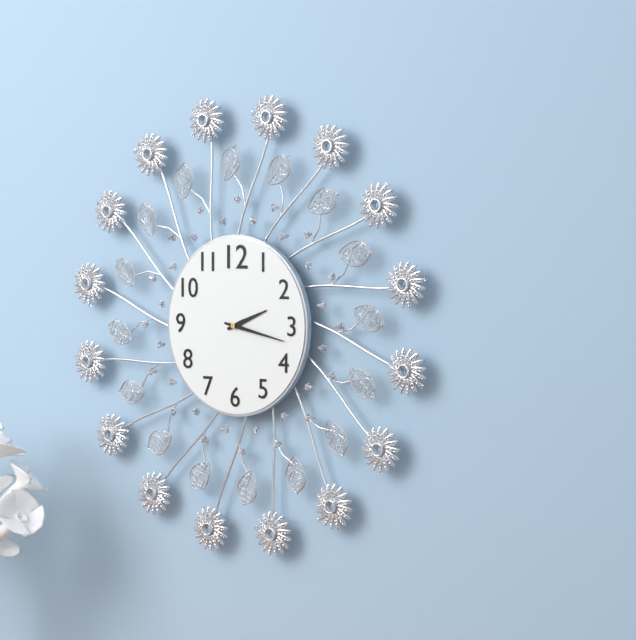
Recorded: h=2 m=17
